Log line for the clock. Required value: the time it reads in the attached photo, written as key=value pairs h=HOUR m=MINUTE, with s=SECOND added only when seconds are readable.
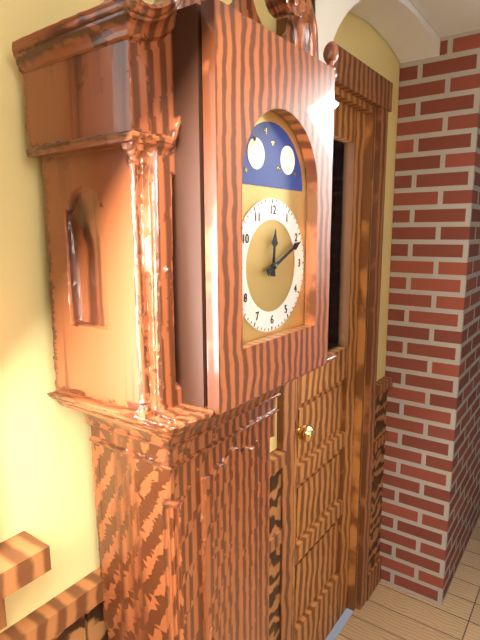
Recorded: h=12 m=11
